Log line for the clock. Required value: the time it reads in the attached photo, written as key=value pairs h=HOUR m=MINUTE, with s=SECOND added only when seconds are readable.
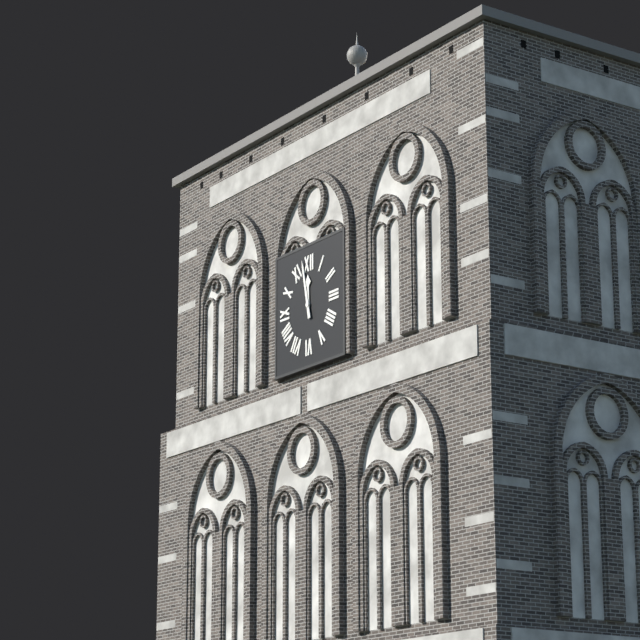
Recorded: h=11 m=58
